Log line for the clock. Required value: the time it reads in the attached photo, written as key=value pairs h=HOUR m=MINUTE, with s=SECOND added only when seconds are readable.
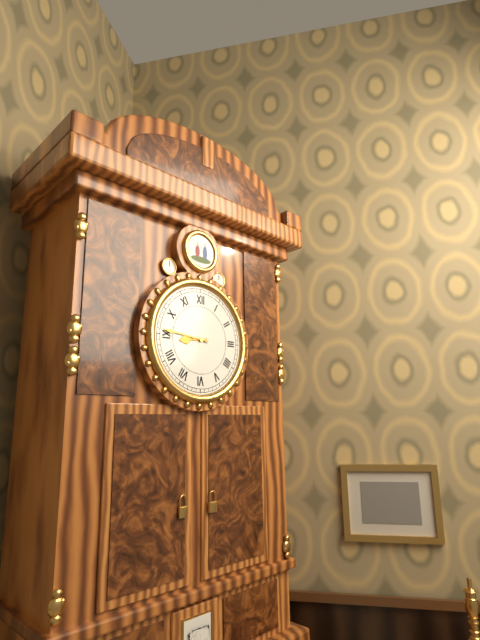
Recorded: h=8 m=46
